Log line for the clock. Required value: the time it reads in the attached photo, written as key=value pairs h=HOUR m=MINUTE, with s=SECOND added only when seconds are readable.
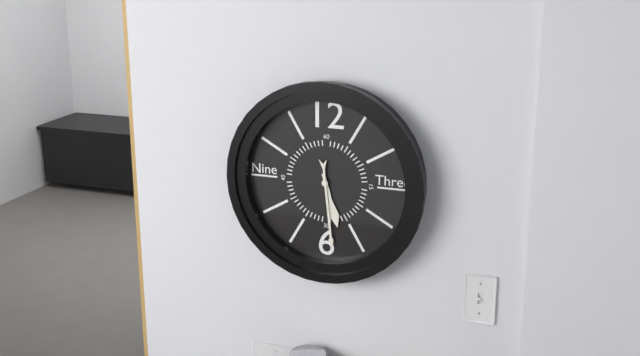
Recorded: h=5 m=29
